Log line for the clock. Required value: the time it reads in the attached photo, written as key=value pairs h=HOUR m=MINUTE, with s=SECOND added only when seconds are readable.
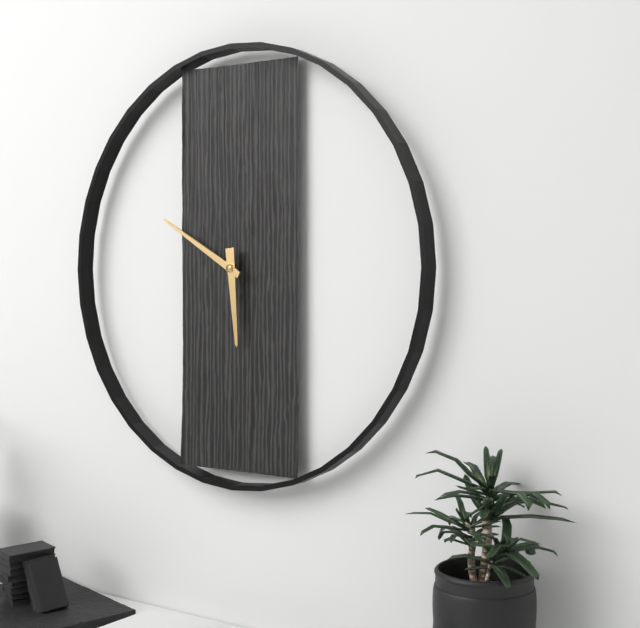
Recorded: h=5 m=50
